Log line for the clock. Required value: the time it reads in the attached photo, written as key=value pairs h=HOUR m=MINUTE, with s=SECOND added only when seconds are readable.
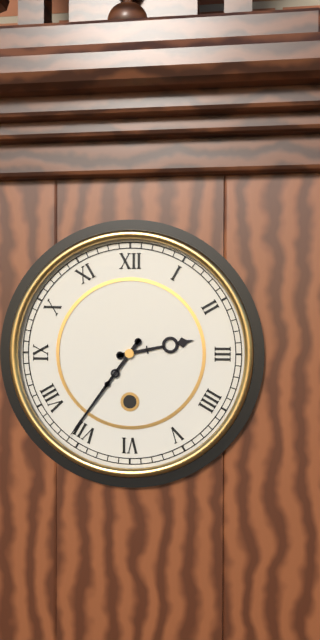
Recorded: h=2 m=36
